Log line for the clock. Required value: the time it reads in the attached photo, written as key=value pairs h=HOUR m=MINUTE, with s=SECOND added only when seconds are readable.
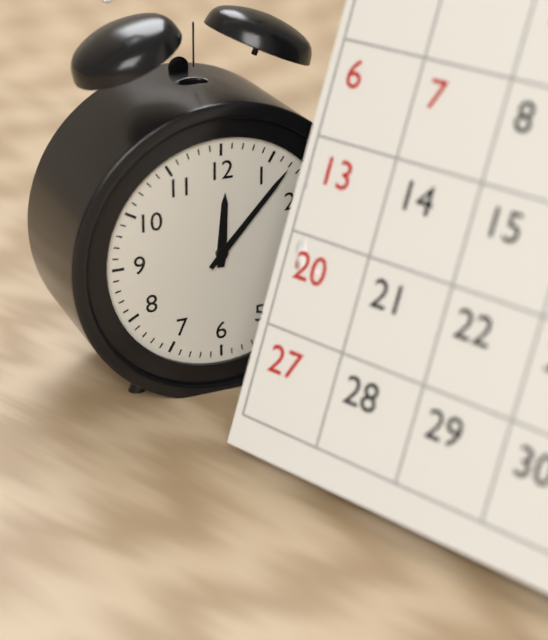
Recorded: h=12 m=7
